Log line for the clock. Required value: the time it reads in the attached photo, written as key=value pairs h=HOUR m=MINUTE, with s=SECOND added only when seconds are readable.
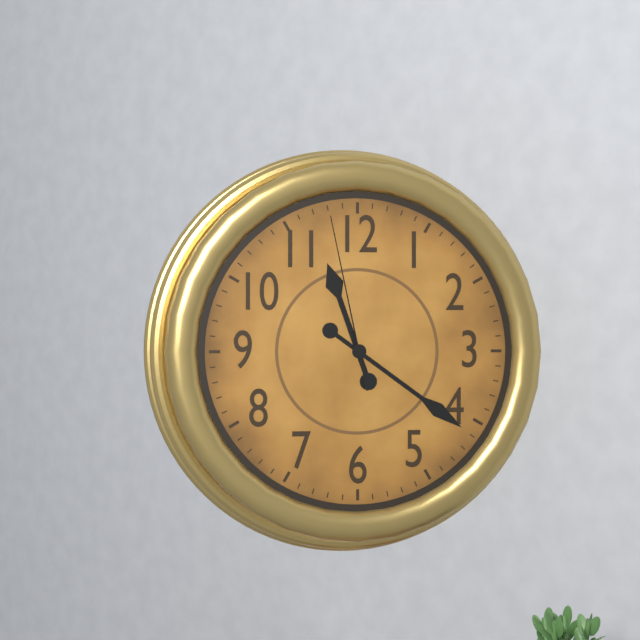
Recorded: h=11 m=21 s=58
